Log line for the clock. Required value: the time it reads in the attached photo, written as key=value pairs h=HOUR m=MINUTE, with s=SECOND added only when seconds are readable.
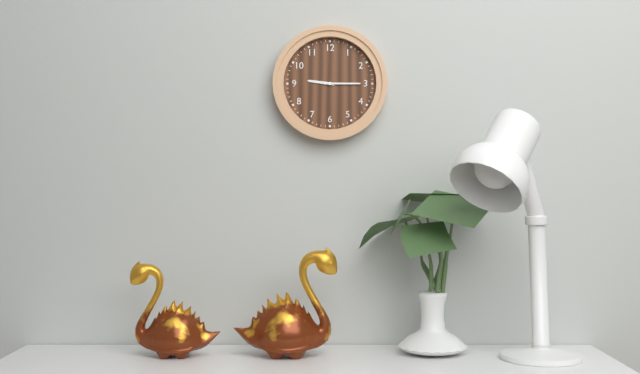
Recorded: h=9 m=15
